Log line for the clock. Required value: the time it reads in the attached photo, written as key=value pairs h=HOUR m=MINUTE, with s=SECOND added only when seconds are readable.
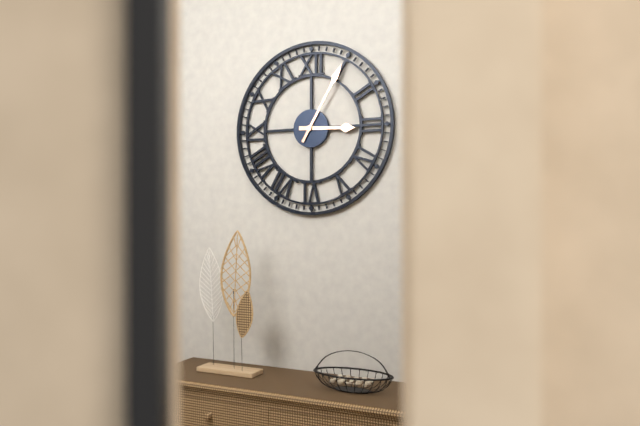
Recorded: h=3 m=5
